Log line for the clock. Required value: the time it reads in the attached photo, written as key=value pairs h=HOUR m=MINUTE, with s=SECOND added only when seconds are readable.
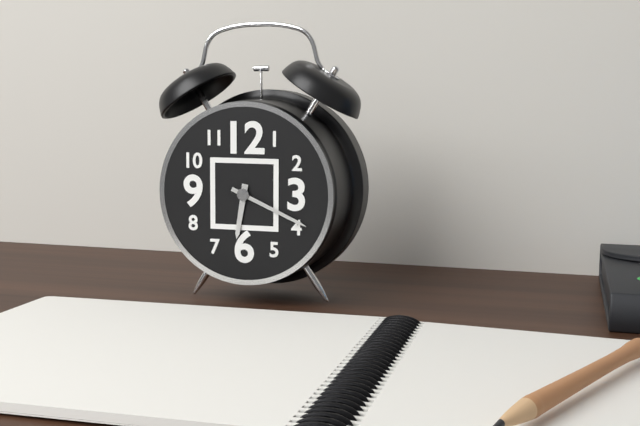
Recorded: h=6 m=19
